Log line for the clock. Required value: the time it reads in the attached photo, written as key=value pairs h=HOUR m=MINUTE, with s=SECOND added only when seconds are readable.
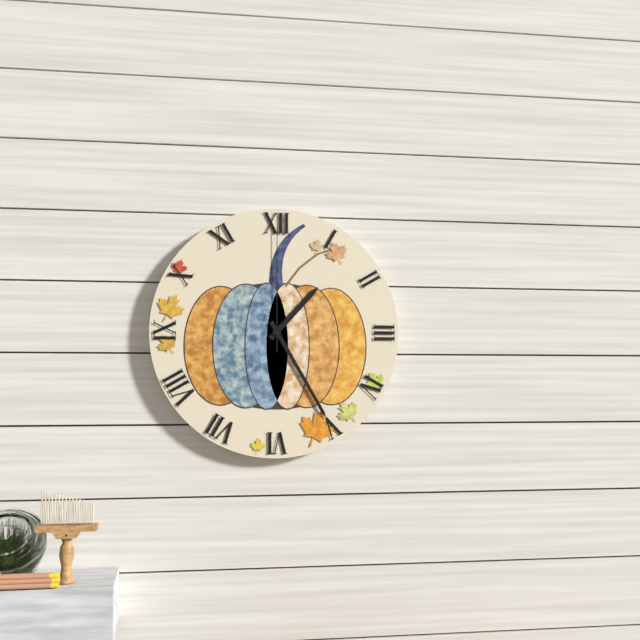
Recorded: h=1 m=25 s=0
